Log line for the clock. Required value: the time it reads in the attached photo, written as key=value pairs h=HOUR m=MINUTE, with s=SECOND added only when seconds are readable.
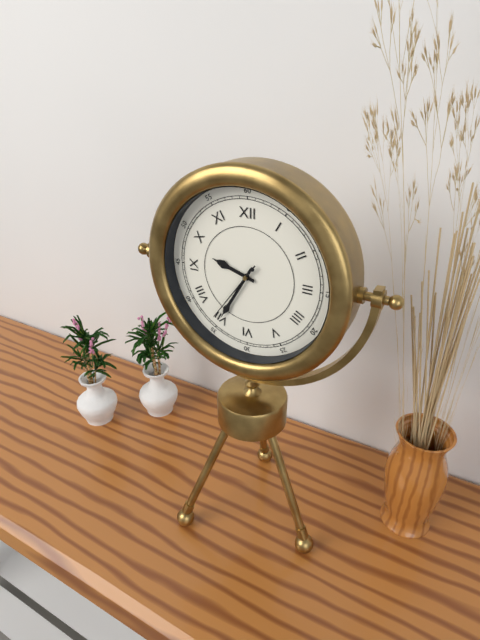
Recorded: h=9 m=35 s=36
